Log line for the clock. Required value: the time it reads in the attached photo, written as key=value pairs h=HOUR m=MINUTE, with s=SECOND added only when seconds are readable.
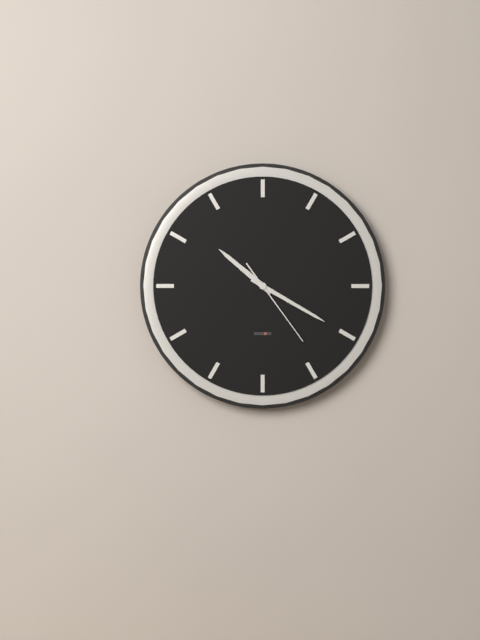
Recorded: h=10 m=20 s=24
